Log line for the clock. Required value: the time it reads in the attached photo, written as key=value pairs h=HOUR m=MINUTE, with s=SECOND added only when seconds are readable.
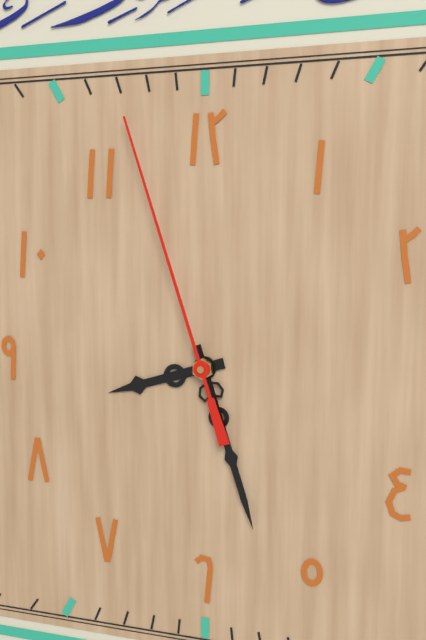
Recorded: h=8 m=27 s=57
